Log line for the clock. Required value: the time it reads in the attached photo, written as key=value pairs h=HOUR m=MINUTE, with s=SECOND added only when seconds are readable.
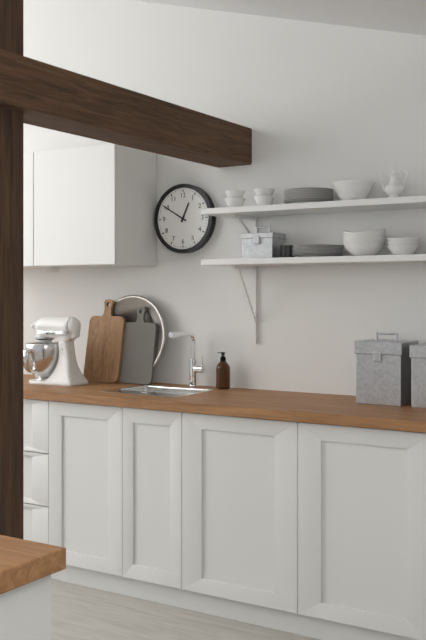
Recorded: h=12 m=50
